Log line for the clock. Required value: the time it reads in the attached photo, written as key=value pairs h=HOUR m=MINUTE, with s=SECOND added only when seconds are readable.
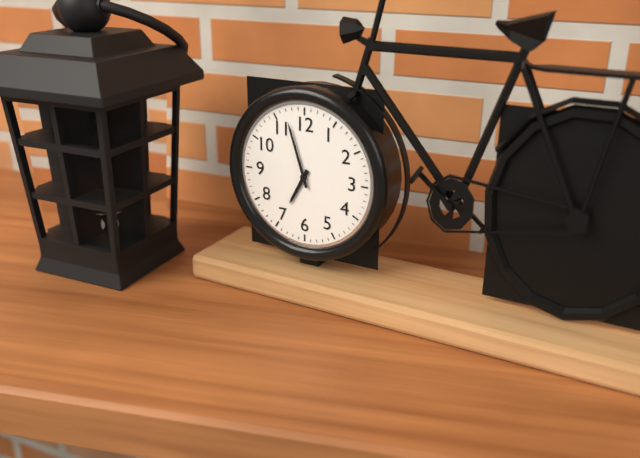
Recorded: h=6 m=57
